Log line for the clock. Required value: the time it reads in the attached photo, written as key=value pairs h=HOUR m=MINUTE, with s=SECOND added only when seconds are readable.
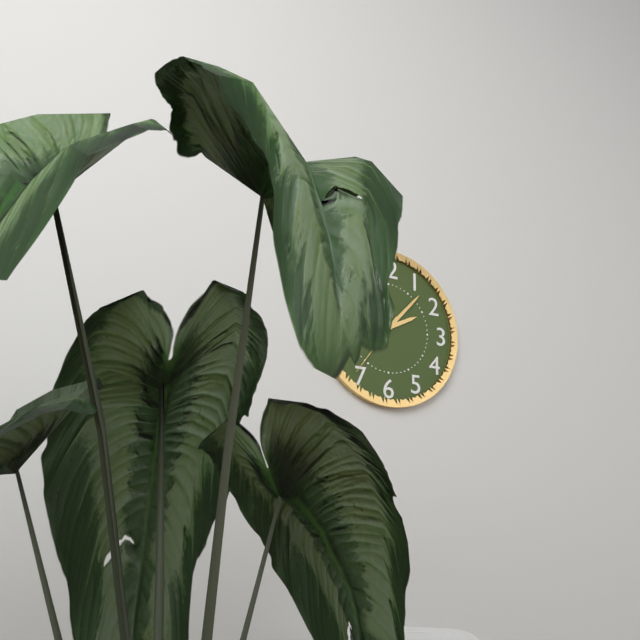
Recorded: h=2 m=7 s=36
